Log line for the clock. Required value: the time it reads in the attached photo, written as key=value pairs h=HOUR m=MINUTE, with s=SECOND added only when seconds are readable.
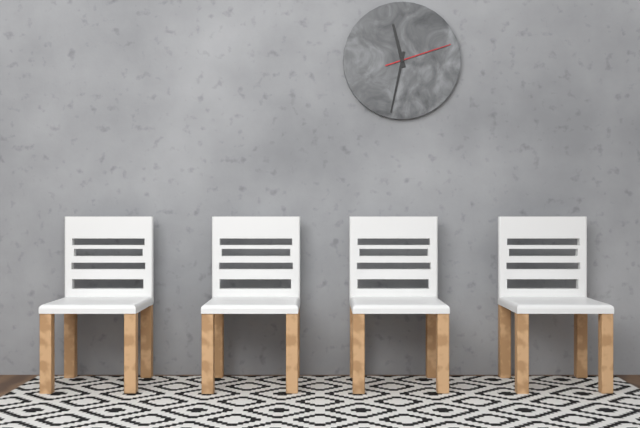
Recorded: h=11 m=32 s=12
